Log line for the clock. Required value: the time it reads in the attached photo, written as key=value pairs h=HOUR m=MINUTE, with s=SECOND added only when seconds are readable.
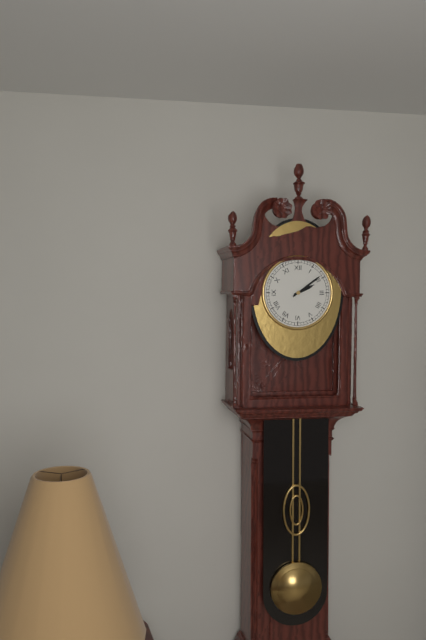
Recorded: h=2 m=9
